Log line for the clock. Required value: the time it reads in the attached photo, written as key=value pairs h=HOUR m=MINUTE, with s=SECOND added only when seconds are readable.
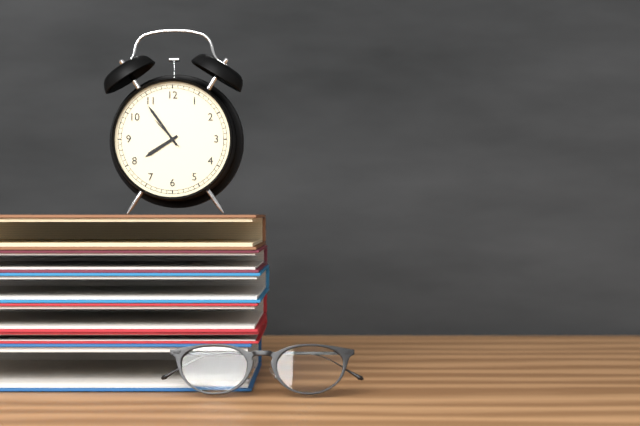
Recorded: h=7 m=54
